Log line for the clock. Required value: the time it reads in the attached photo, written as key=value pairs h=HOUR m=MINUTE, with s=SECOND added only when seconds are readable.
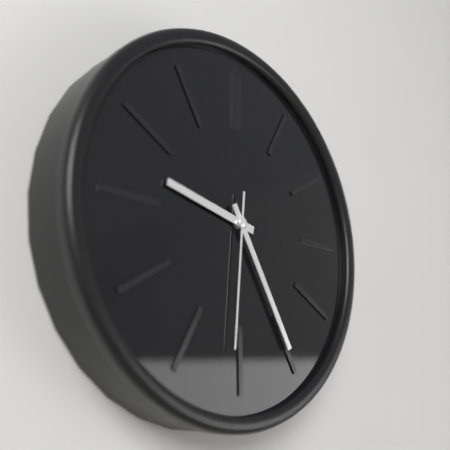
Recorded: h=9 m=25 s=31
